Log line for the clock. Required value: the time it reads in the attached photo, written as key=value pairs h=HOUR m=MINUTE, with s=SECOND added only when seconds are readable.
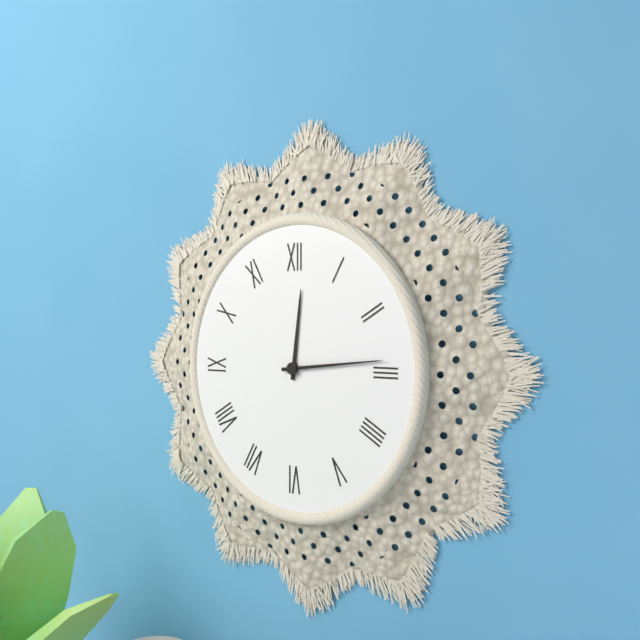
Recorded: h=12 m=14
